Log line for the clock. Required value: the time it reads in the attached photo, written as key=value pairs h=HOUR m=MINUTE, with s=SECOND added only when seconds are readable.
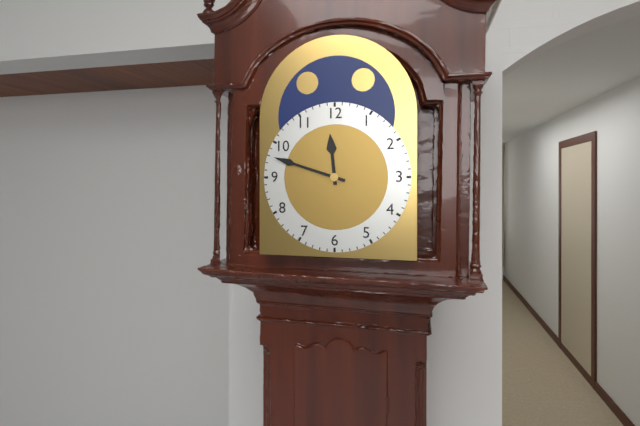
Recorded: h=11 m=48
